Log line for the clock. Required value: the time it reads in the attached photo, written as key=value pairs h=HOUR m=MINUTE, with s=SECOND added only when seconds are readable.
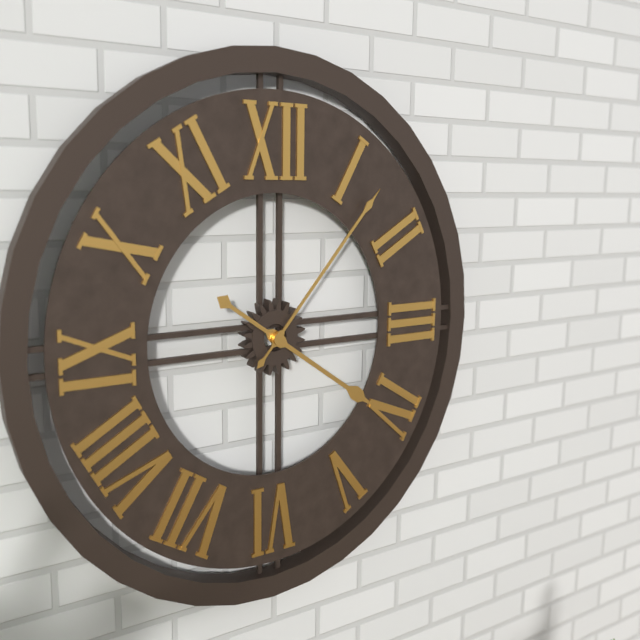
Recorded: h=4 m=7
